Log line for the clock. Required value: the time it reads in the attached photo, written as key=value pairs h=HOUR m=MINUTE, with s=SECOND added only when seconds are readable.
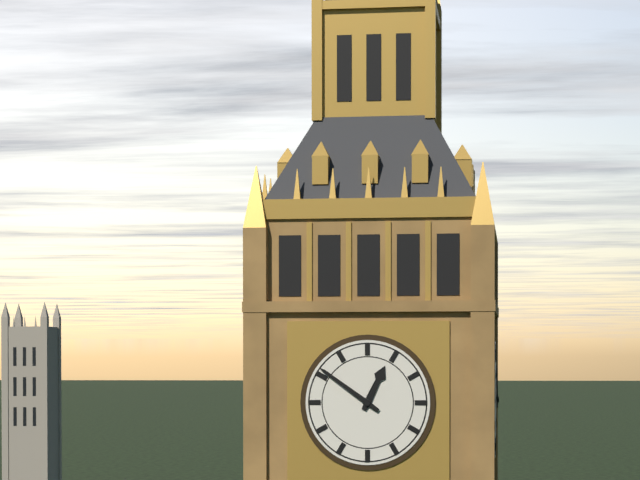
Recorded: h=12 m=51
